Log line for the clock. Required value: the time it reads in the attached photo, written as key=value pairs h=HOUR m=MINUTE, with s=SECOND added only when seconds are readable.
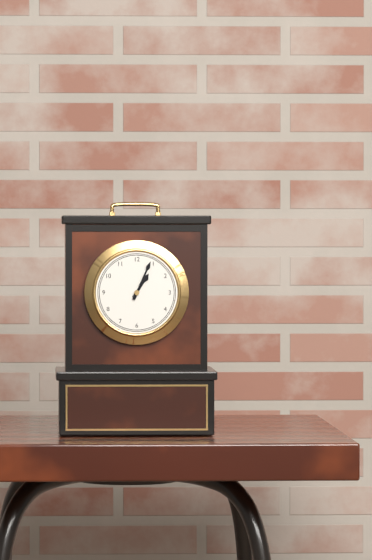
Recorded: h=1 m=4
